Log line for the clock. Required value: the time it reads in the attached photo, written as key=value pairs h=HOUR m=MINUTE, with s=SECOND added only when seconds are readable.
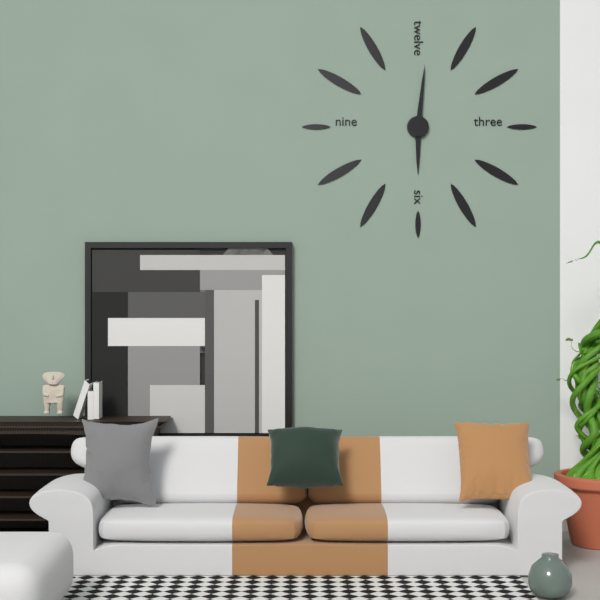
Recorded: h=6 m=1
